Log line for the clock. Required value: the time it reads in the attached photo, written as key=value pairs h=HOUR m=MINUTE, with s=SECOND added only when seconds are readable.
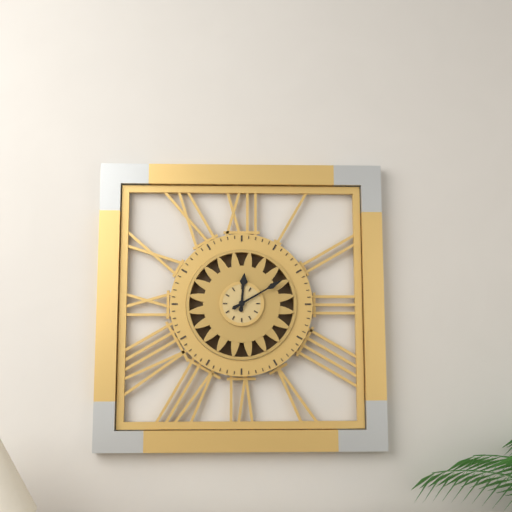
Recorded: h=12 m=10
